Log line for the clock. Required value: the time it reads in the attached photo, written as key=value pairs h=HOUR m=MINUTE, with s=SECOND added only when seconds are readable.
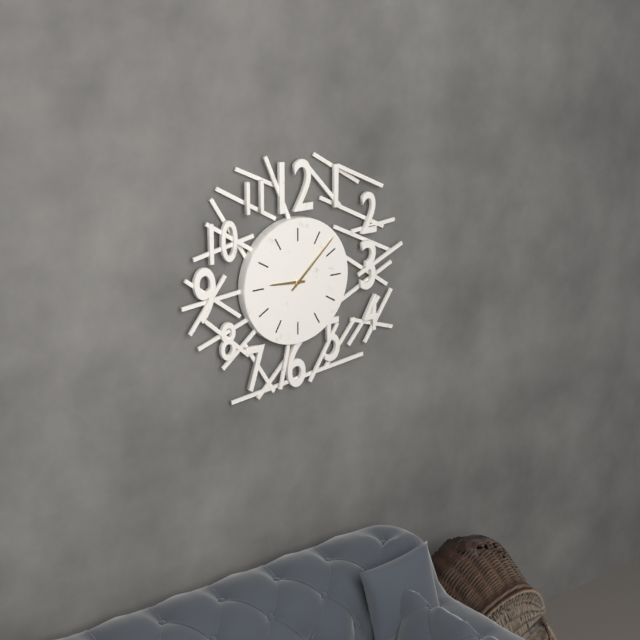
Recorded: h=9 m=8
